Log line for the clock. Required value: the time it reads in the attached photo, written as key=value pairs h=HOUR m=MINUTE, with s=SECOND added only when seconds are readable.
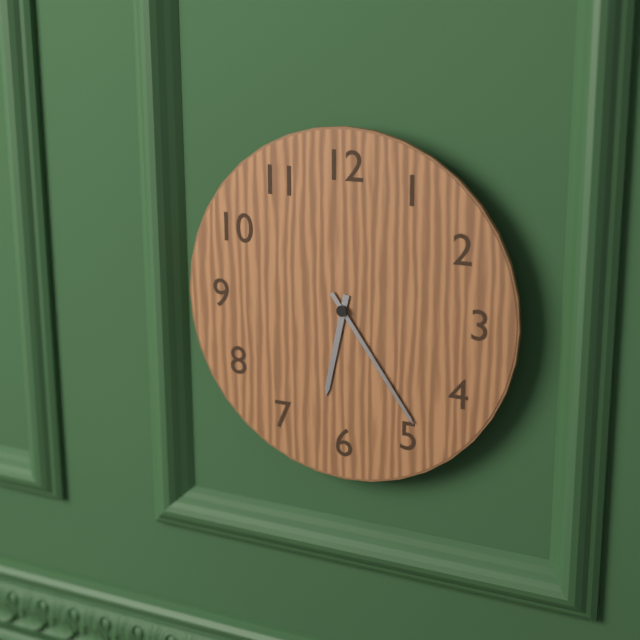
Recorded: h=6 m=24
